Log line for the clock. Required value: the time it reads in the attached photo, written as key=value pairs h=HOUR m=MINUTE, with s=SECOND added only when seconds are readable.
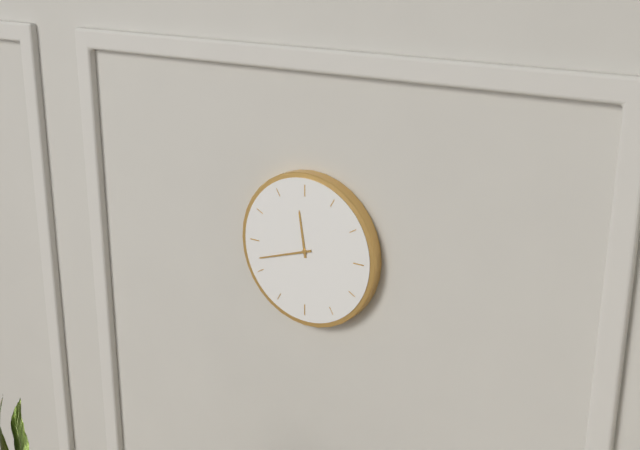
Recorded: h=11 m=42
